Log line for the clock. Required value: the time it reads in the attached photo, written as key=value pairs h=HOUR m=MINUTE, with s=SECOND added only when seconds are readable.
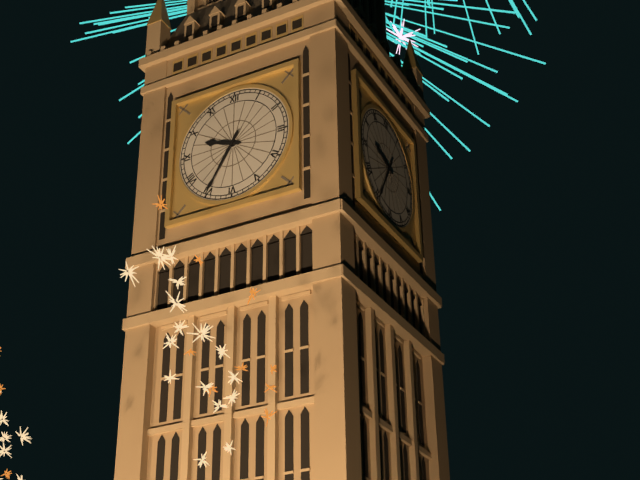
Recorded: h=9 m=35
